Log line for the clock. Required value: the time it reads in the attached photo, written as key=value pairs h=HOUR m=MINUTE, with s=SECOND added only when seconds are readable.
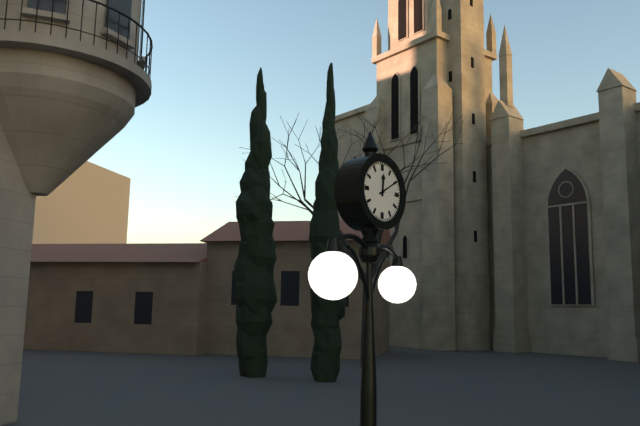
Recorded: h=12 m=10
